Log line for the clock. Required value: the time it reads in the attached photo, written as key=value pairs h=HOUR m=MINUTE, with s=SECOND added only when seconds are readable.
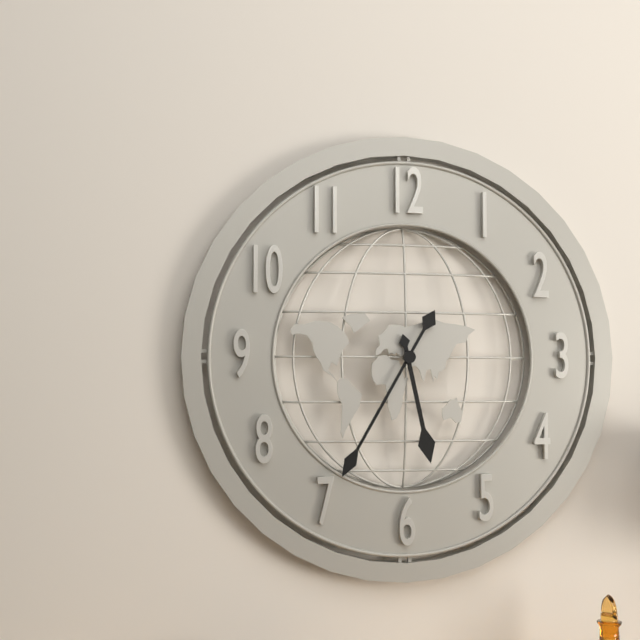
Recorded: h=5 m=35
